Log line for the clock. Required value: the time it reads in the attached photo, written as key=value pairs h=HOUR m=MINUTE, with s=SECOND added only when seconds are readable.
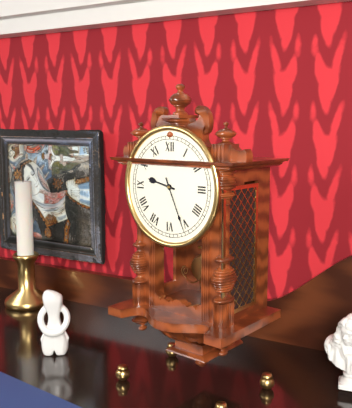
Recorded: h=9 m=26
